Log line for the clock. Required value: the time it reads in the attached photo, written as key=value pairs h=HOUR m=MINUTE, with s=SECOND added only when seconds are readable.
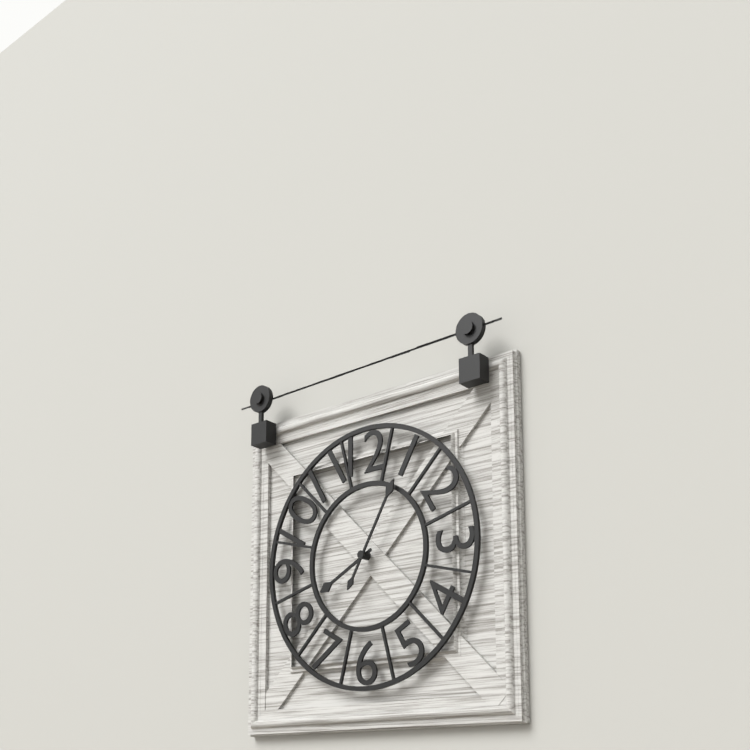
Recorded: h=8 m=5
